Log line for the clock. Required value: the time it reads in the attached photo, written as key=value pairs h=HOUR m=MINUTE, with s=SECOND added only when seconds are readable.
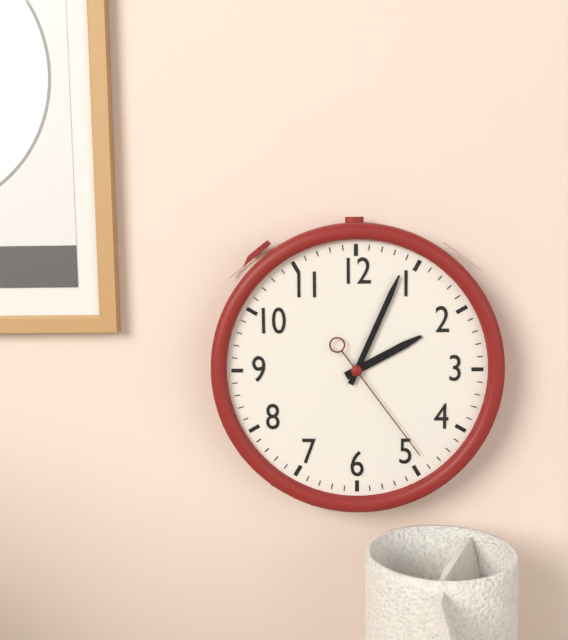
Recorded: h=2 m=4 s=24
